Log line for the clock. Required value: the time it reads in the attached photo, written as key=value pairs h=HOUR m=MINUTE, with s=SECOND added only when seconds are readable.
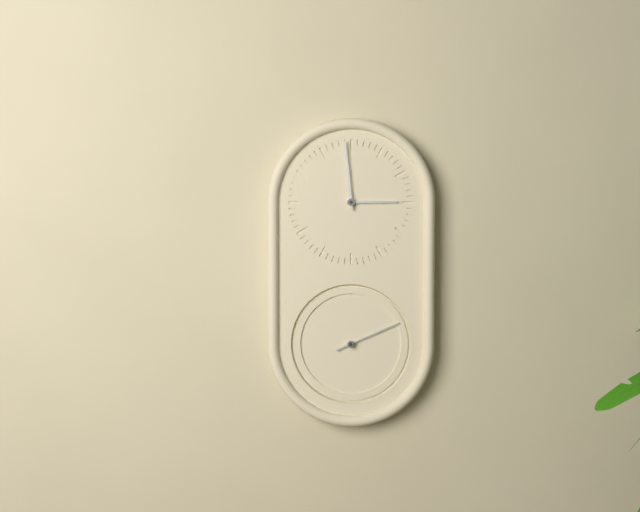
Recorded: h=2 m=59 s=11
